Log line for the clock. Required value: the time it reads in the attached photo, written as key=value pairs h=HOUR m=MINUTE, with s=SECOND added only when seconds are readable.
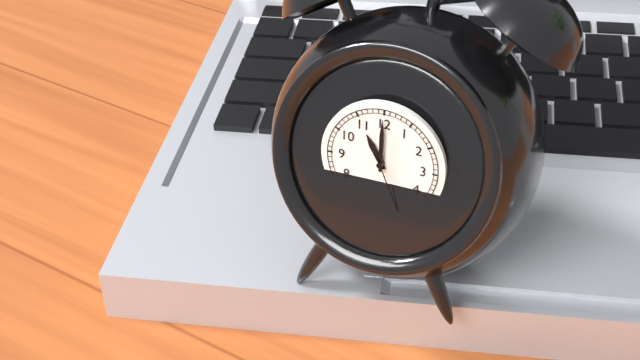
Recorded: h=11 m=0 s=26
